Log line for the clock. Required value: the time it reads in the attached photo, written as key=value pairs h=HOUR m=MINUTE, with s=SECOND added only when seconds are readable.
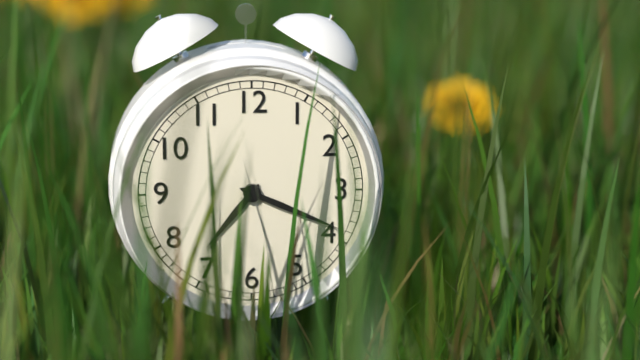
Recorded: h=7 m=19
